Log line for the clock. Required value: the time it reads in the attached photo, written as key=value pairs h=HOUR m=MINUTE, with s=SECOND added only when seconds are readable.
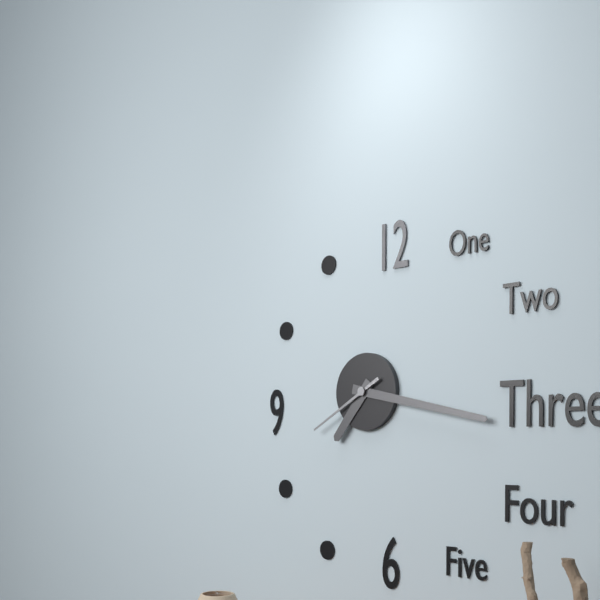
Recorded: h=7 m=17 s=40
